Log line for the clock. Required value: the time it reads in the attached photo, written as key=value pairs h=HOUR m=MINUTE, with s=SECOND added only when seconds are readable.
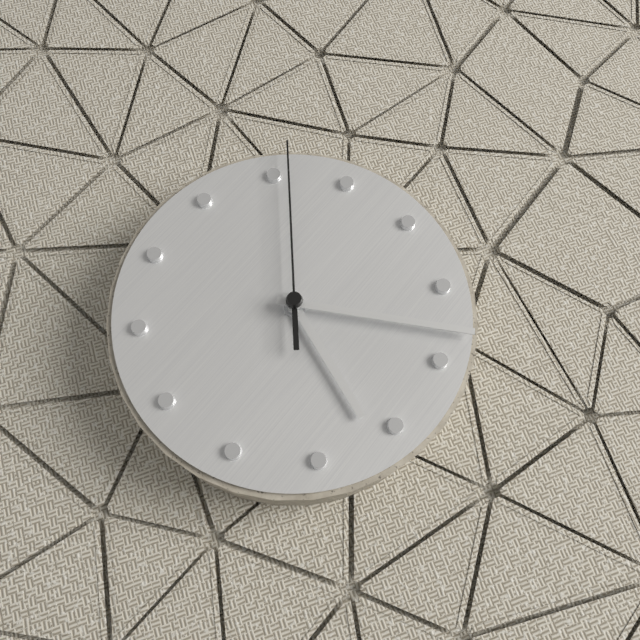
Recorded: h=5 m=18 s=1
